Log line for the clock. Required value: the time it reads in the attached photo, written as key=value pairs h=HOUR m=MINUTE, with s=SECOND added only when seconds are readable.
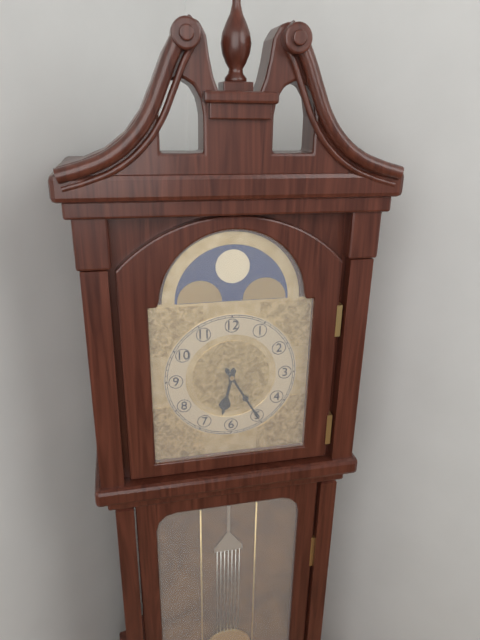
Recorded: h=6 m=25
